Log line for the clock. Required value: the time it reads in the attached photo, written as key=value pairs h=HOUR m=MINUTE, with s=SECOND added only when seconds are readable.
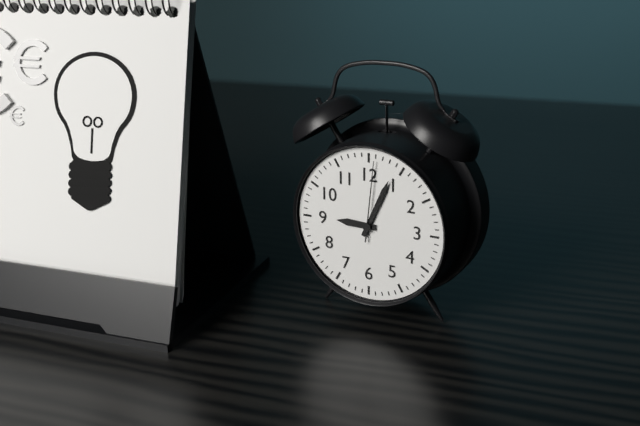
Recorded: h=9 m=4 s=1
